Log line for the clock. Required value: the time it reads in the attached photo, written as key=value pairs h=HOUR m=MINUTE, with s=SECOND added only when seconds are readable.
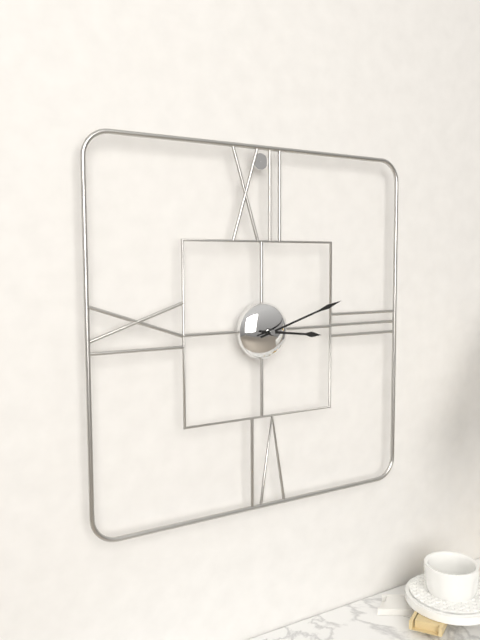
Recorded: h=3 m=12
